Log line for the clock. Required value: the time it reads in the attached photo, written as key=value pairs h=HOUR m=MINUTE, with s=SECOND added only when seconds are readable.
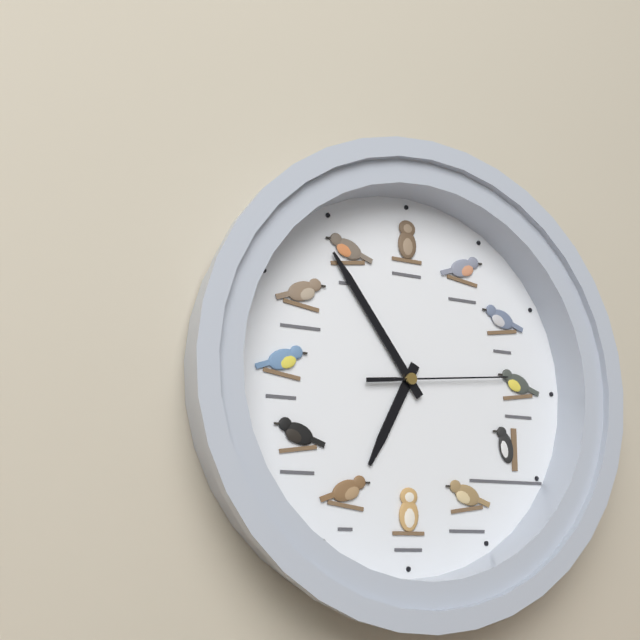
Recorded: h=6 m=54 s=14
